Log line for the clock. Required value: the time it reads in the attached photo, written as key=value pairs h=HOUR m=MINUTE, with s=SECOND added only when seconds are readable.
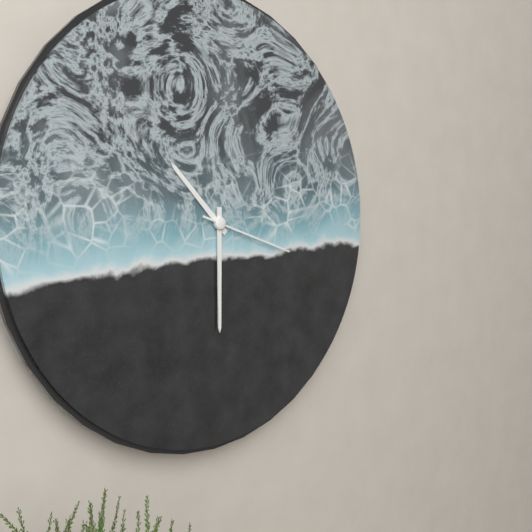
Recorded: h=10 m=30 s=18
